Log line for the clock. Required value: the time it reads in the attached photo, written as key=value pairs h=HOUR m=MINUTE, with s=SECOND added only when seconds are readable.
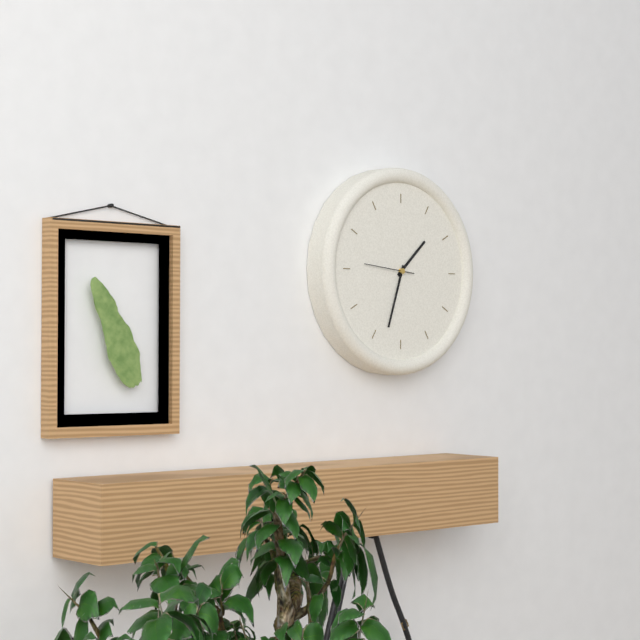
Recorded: h=1 m=33
